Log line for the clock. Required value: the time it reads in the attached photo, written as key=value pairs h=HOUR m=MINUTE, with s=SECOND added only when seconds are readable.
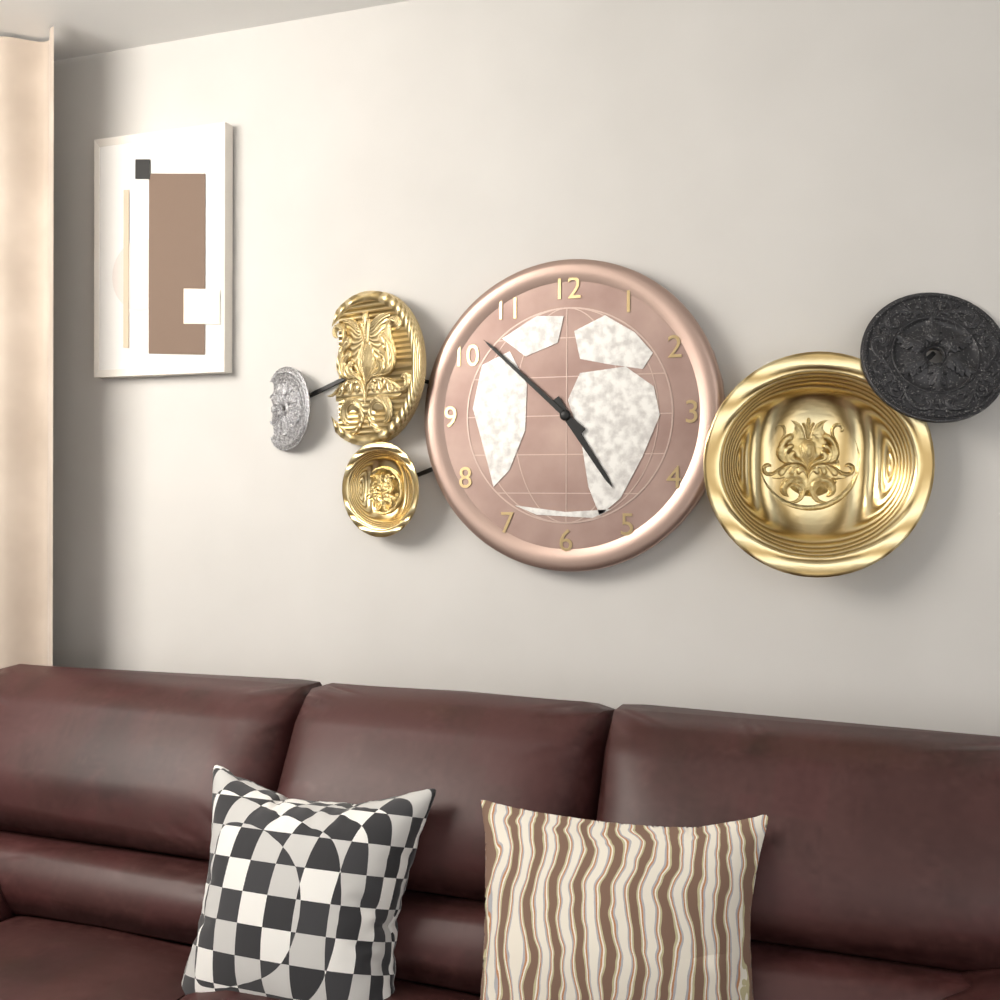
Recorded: h=4 m=52
